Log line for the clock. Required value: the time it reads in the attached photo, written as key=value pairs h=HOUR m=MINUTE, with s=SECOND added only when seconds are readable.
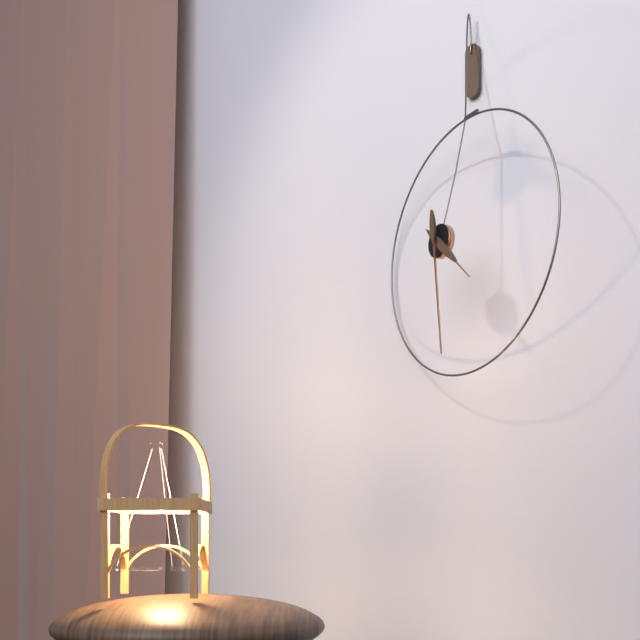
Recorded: h=4 m=29
